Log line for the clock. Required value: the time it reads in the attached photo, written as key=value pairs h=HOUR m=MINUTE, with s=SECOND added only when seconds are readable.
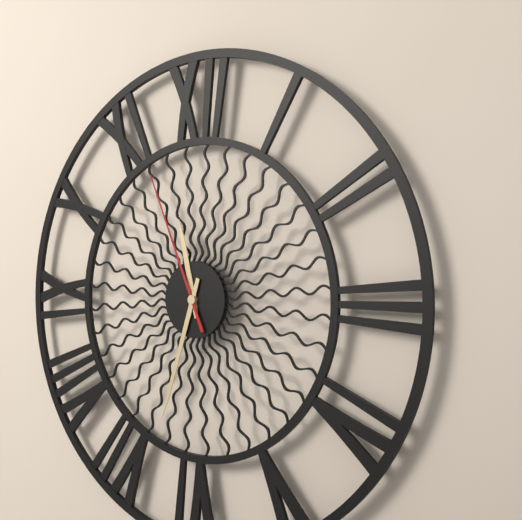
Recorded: h=11 m=33 s=56
